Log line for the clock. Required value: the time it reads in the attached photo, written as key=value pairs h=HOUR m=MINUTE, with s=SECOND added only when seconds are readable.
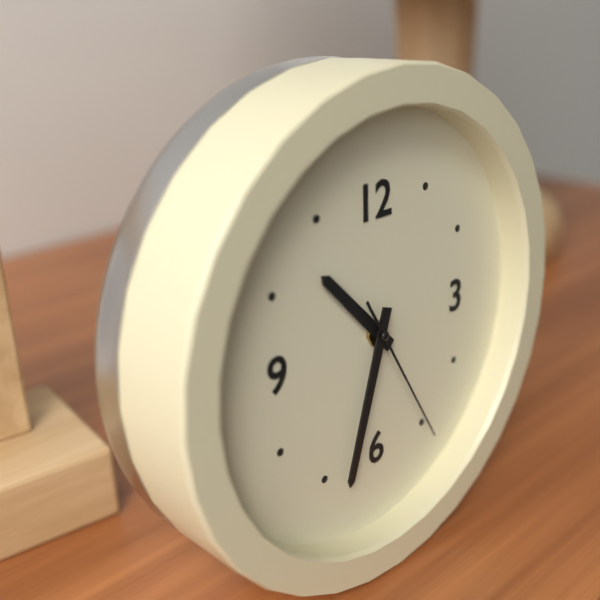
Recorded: h=10 m=33 s=25
